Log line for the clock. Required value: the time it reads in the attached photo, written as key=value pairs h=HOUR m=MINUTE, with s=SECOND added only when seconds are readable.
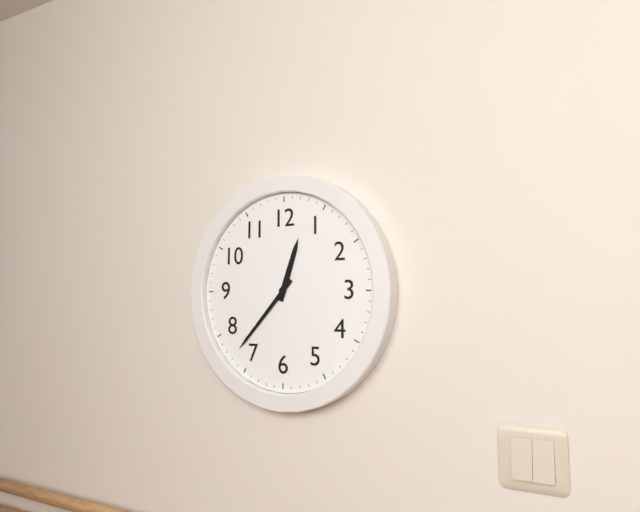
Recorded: h=12 m=37
